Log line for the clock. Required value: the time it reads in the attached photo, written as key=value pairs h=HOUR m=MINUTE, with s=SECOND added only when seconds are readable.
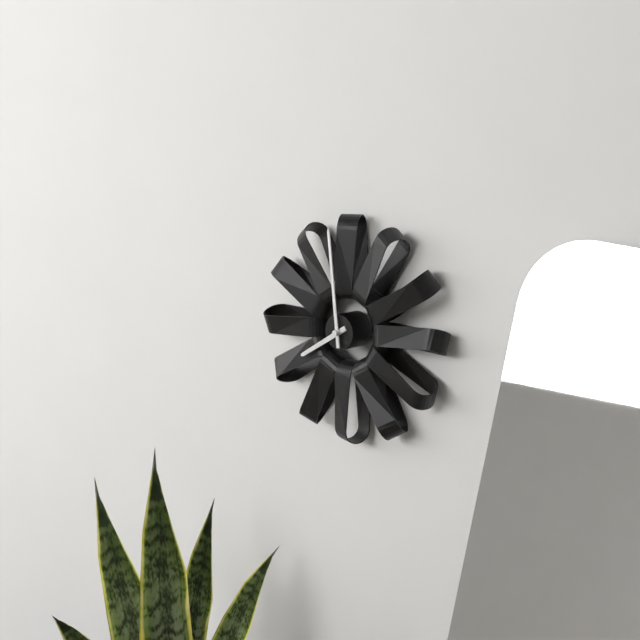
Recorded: h=7 m=59
